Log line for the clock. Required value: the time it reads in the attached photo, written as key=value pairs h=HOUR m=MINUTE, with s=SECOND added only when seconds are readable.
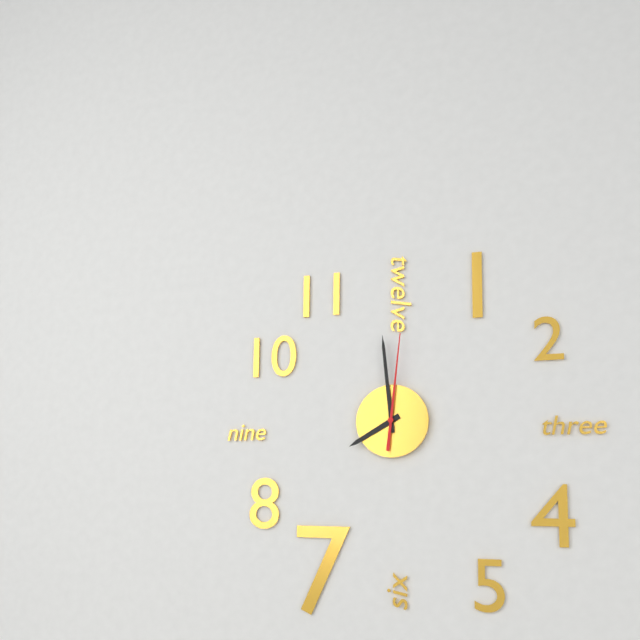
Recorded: h=7 m=59 s=1
